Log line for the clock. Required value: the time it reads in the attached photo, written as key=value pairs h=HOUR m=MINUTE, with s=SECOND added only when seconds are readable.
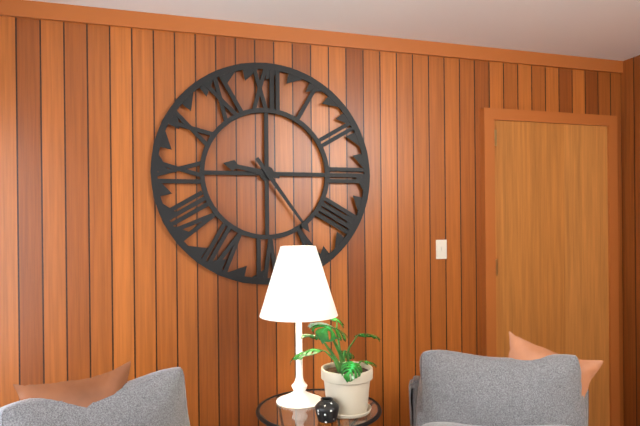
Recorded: h=9 m=24
